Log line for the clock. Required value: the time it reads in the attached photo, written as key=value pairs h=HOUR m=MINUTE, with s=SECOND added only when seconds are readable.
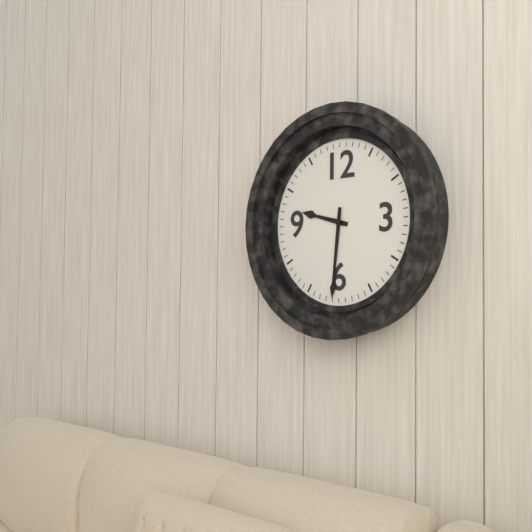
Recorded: h=9 m=31
